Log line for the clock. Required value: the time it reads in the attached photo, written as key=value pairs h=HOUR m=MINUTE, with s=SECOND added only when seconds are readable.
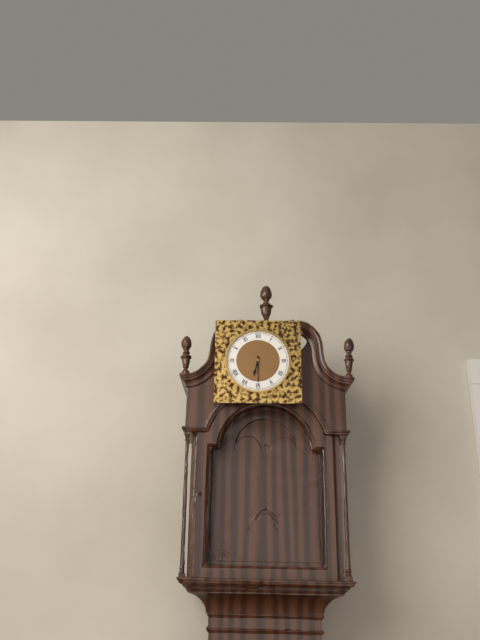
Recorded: h=6 m=30
